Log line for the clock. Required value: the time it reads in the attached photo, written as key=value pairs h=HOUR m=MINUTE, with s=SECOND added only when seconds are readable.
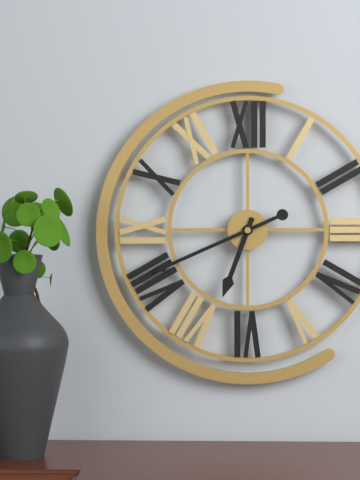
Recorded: h=6 m=41
